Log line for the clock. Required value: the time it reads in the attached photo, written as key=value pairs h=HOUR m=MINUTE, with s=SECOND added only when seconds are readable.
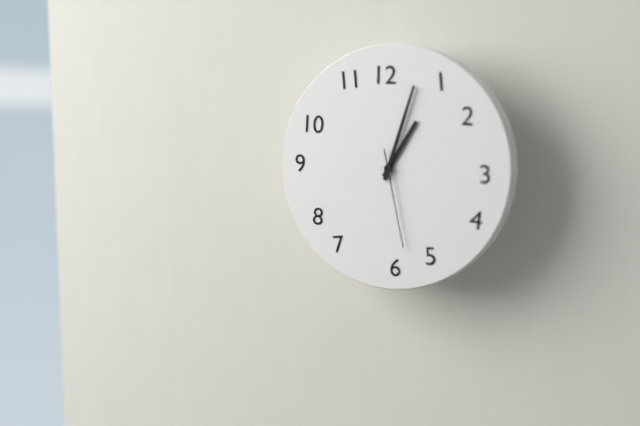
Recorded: h=1 m=3 s=28
